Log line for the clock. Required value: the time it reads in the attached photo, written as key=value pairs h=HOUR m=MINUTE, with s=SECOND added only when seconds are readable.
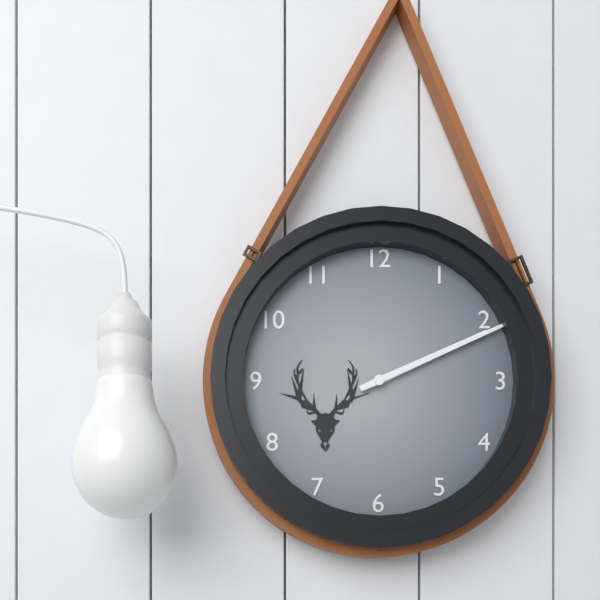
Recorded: h=2 m=11
